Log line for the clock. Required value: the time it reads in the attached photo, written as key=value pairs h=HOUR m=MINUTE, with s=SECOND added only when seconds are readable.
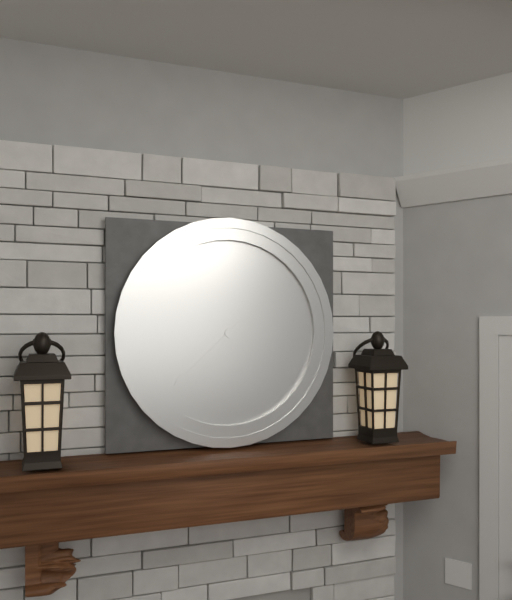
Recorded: h=5 m=38
